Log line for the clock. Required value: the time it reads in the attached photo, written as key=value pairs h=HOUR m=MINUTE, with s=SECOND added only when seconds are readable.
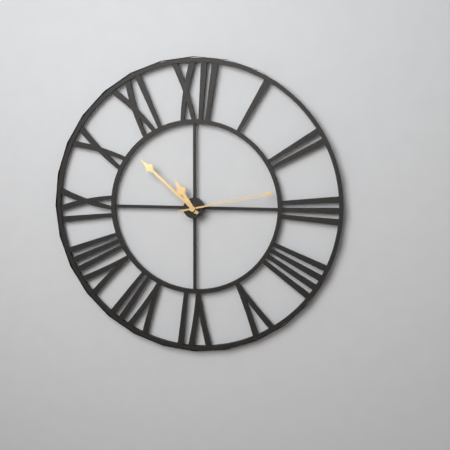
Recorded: h=10 m=52 s=13
